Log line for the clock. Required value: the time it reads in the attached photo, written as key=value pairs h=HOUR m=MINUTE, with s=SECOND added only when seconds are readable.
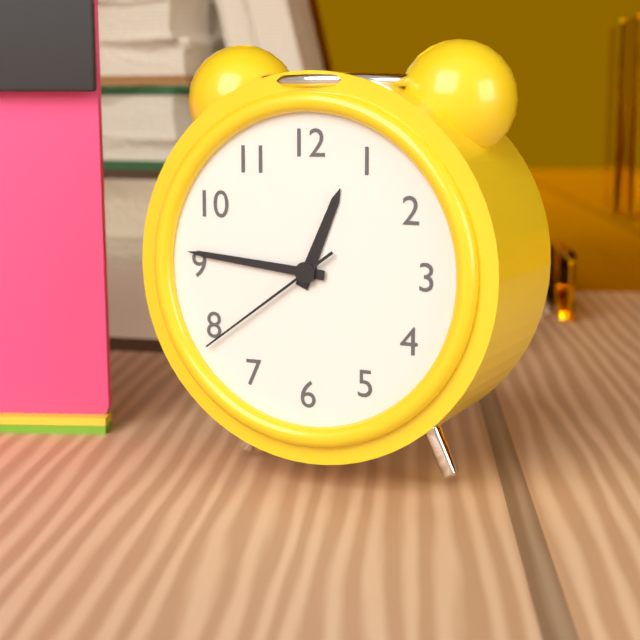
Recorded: h=12 m=46 s=39
